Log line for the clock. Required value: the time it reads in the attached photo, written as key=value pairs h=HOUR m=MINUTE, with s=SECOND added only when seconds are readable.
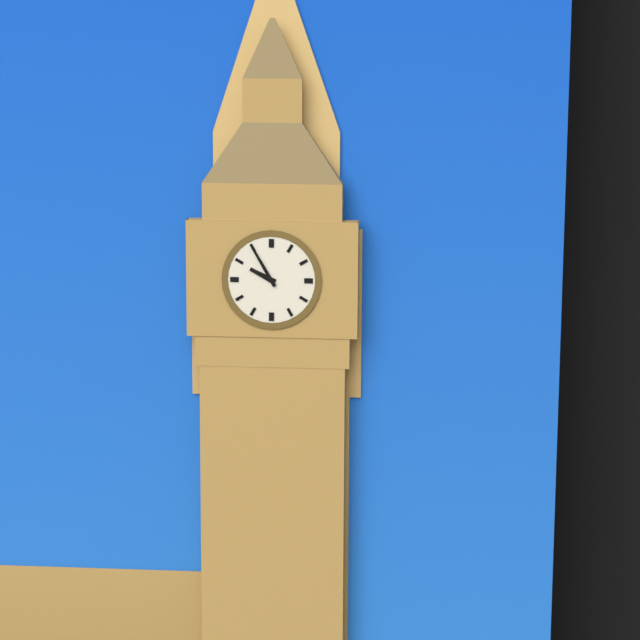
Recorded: h=9 m=55
